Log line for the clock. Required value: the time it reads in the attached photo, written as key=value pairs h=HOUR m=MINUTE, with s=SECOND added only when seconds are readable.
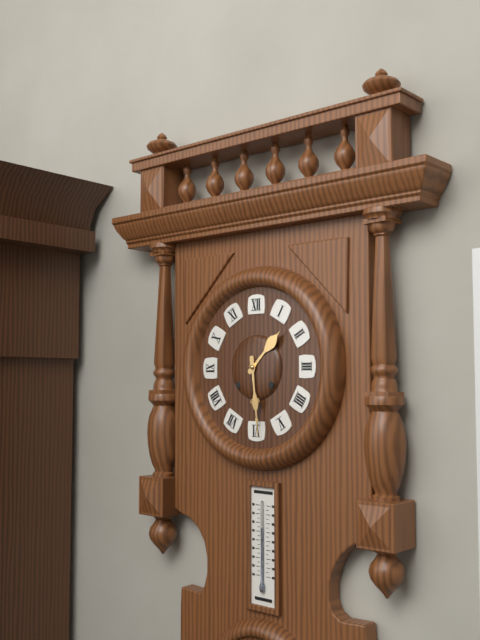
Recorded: h=1 m=29
